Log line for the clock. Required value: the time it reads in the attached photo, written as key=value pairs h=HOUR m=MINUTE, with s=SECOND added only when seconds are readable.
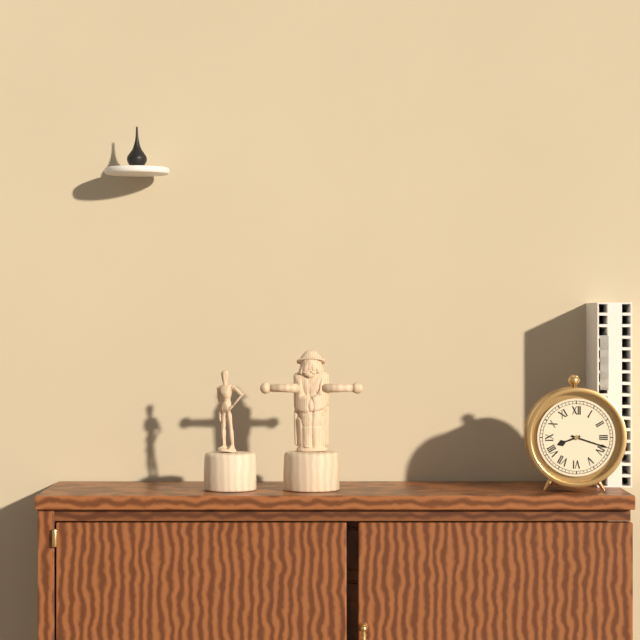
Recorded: h=8 m=18
